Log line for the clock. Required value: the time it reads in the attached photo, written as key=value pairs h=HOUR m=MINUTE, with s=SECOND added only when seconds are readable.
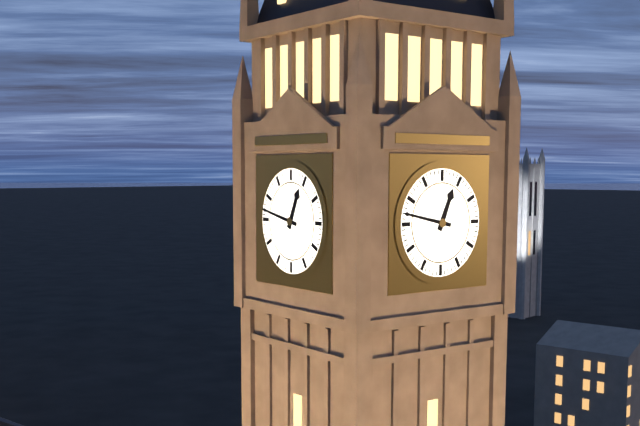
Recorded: h=12 m=47
